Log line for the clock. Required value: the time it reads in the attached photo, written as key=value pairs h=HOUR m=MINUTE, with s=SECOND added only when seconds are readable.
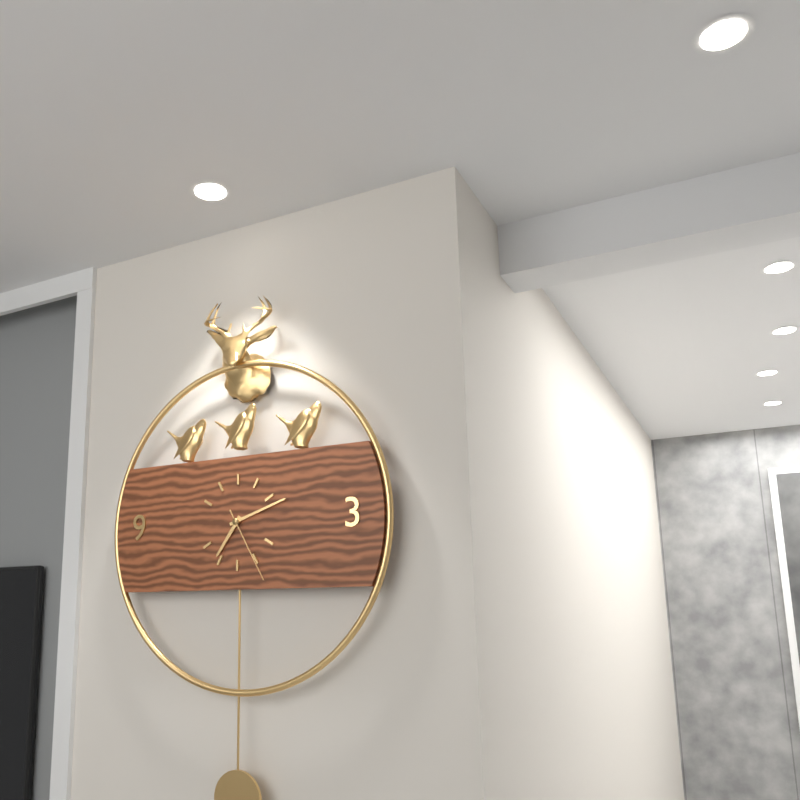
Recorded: h=7 m=12 s=25
